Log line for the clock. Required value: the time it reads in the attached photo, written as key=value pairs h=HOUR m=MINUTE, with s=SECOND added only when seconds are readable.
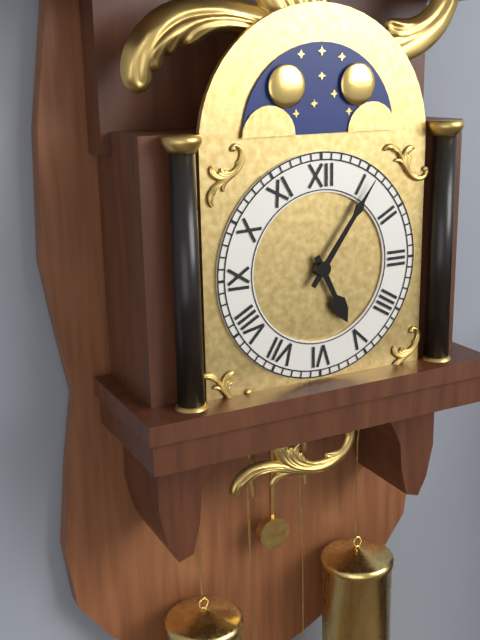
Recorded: h=5 m=6
